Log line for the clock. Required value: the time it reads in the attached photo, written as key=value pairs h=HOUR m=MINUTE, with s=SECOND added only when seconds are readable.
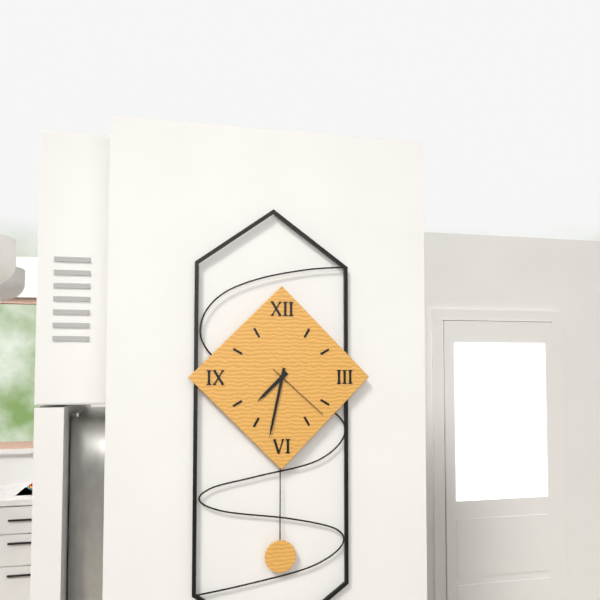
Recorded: h=7 m=32 s=22
